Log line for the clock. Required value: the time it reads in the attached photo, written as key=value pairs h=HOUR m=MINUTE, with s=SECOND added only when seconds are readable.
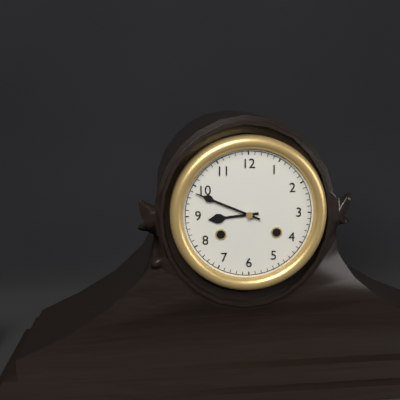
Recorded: h=8 m=49
